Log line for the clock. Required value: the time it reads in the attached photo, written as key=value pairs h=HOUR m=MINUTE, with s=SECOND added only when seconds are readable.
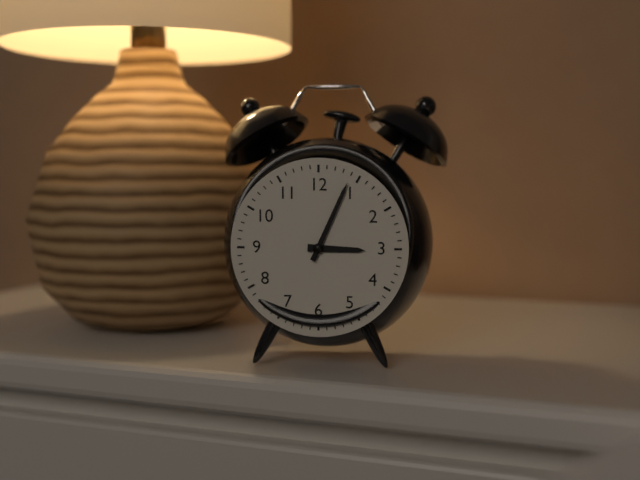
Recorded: h=3 m=4
